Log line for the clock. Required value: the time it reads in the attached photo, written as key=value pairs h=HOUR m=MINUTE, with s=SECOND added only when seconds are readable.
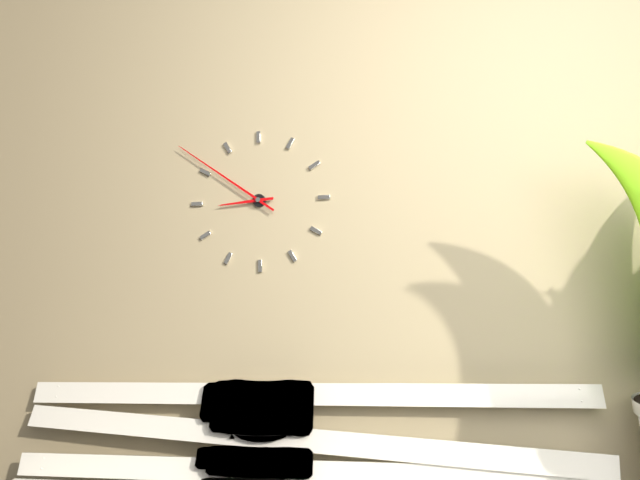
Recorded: h=8 m=51
